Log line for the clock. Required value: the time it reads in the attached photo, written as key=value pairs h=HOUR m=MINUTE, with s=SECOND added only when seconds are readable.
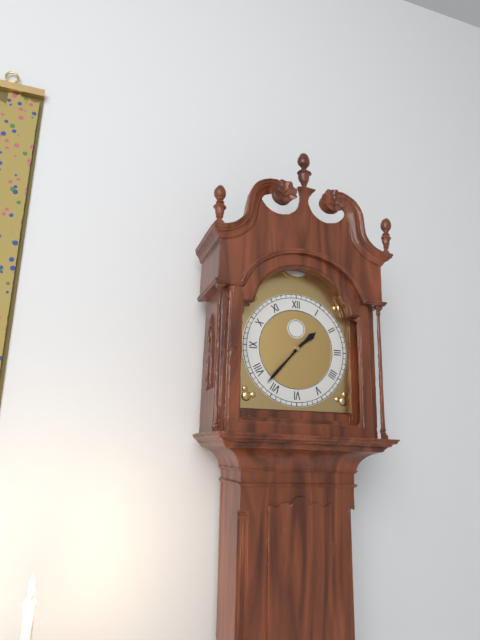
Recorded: h=1 m=37
